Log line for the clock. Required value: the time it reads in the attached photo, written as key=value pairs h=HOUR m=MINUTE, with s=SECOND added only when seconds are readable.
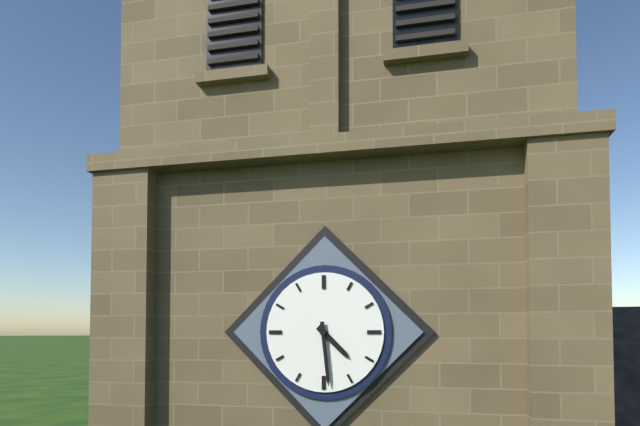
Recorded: h=4 m=29
